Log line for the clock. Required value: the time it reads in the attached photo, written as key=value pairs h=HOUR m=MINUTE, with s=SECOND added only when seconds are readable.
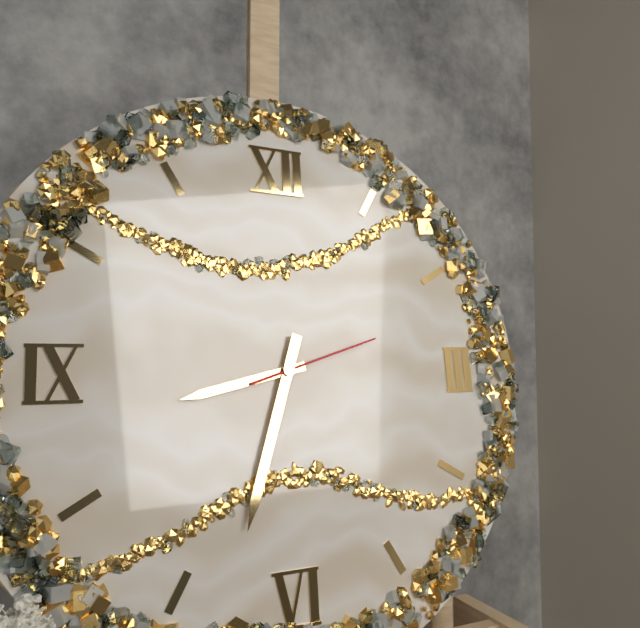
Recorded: h=8 m=33 s=12
